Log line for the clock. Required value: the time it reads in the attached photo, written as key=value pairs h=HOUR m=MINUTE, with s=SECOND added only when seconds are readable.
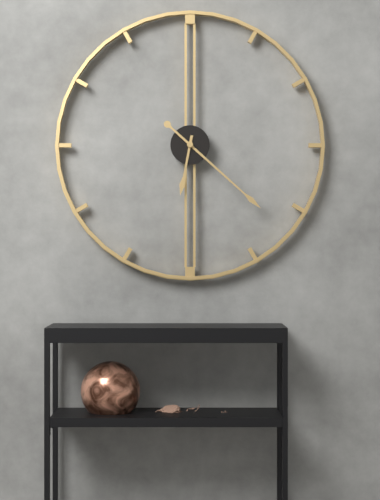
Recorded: h=6 m=22
